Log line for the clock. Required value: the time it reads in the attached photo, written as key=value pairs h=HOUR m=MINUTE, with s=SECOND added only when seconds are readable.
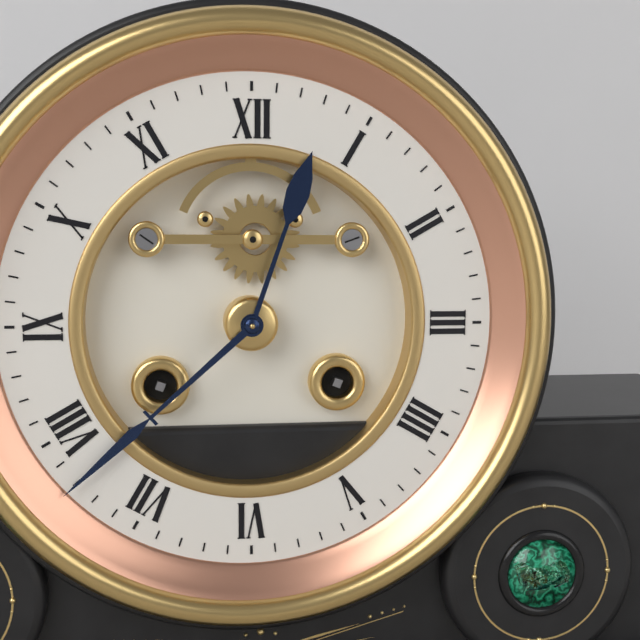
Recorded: h=12 m=38
